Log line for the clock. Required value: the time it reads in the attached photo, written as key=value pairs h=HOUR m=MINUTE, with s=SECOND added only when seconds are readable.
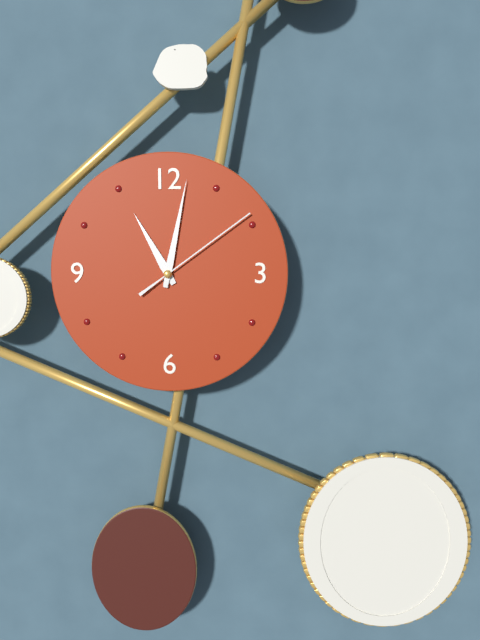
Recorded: h=11 m=2 s=9
